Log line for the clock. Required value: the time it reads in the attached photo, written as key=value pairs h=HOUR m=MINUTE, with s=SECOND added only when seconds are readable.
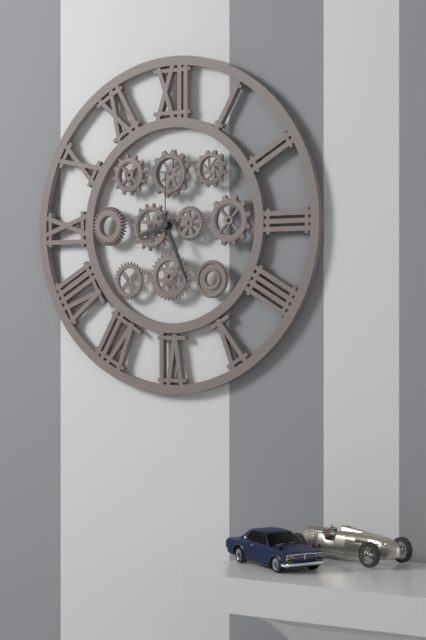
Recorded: h=8 m=26 s=0
